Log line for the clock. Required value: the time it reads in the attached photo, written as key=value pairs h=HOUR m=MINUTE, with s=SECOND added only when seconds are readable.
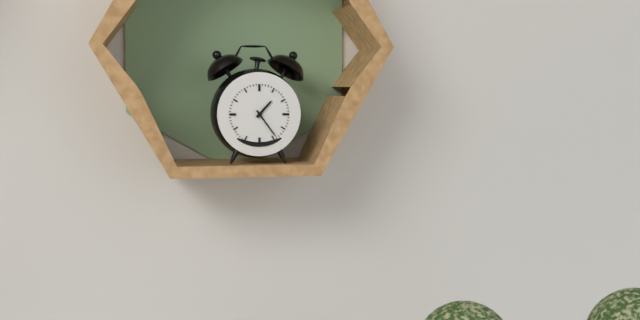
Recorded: h=1 m=24
